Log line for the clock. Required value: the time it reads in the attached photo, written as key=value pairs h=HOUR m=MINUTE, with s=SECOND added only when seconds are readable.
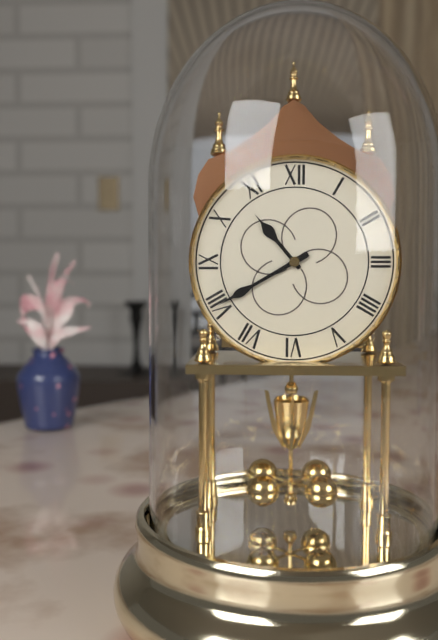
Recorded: h=10 m=40
